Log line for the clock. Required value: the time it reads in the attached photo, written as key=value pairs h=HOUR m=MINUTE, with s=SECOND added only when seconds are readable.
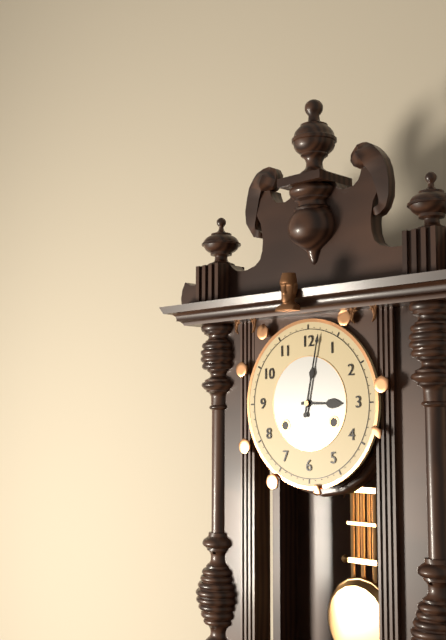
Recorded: h=3 m=2
